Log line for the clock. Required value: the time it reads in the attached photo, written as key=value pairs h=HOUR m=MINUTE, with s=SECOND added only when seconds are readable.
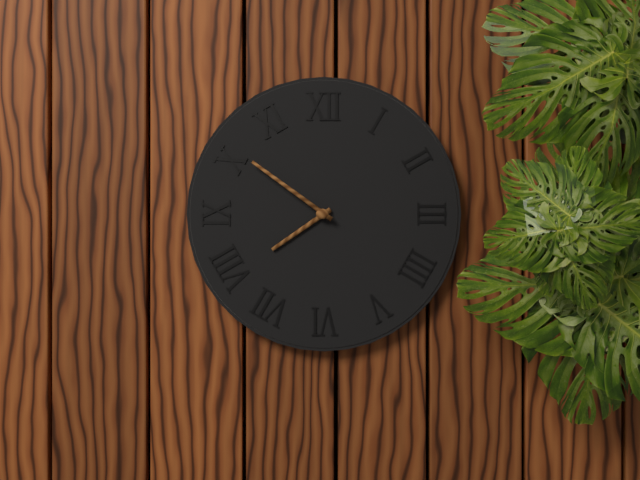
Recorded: h=7 m=51
